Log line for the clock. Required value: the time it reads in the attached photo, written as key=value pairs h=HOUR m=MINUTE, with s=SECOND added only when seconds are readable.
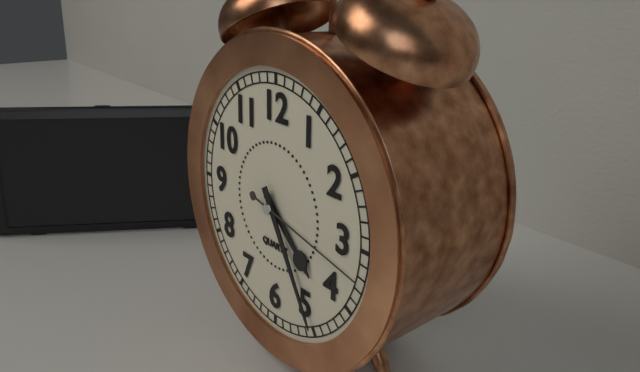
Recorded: h=4 m=25 s=17
